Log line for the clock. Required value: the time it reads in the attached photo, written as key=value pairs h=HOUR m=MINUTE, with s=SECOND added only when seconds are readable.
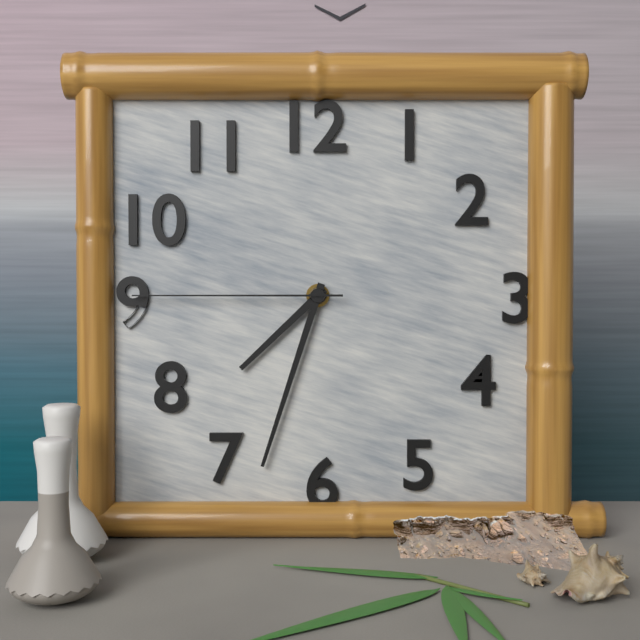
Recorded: h=7 m=33 s=45
